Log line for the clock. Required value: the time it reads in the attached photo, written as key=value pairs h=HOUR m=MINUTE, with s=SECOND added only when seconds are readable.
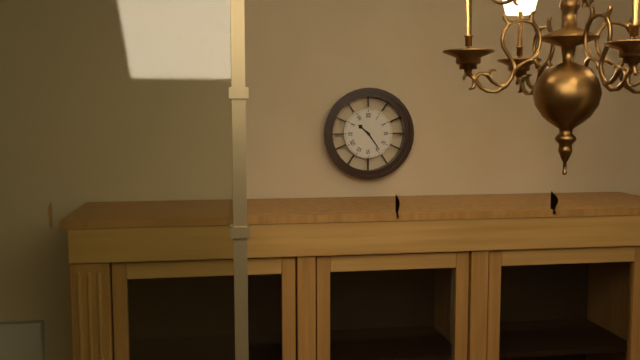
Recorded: h=10 m=24
